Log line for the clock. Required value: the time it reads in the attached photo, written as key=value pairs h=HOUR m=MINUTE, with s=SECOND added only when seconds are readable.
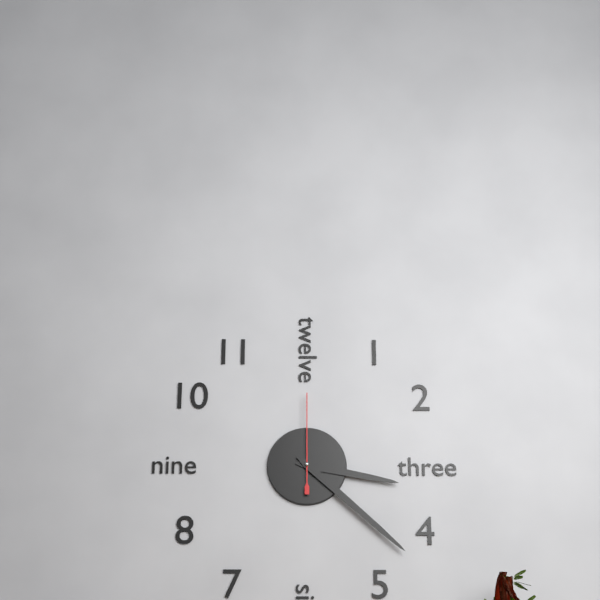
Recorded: h=3 m=22 s=0
